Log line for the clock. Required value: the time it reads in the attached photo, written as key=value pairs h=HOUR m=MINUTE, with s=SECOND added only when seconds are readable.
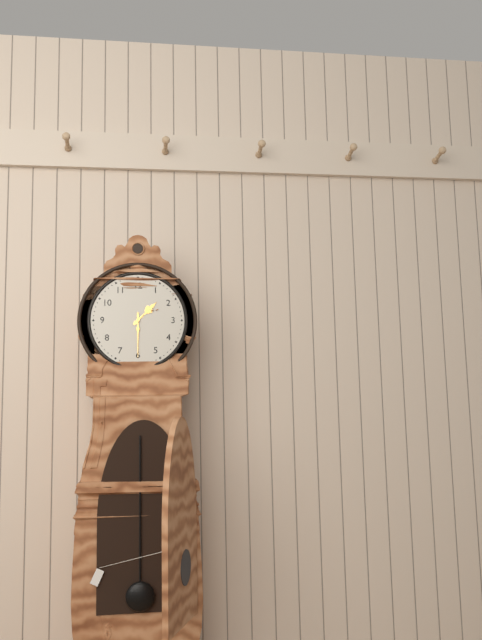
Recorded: h=1 m=30
